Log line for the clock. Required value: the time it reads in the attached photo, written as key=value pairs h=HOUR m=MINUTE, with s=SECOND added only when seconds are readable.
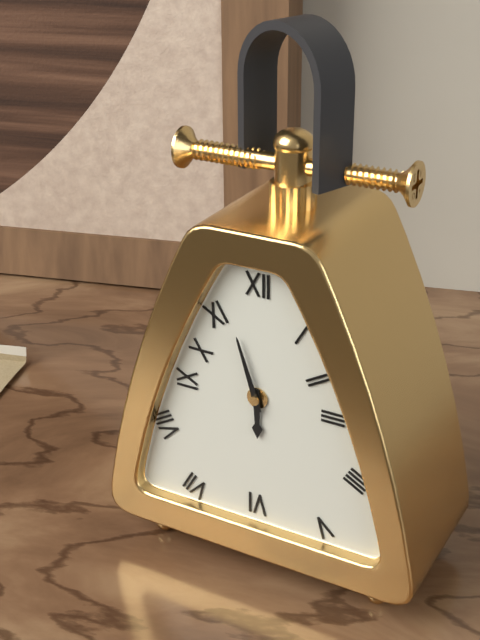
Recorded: h=5 m=57
